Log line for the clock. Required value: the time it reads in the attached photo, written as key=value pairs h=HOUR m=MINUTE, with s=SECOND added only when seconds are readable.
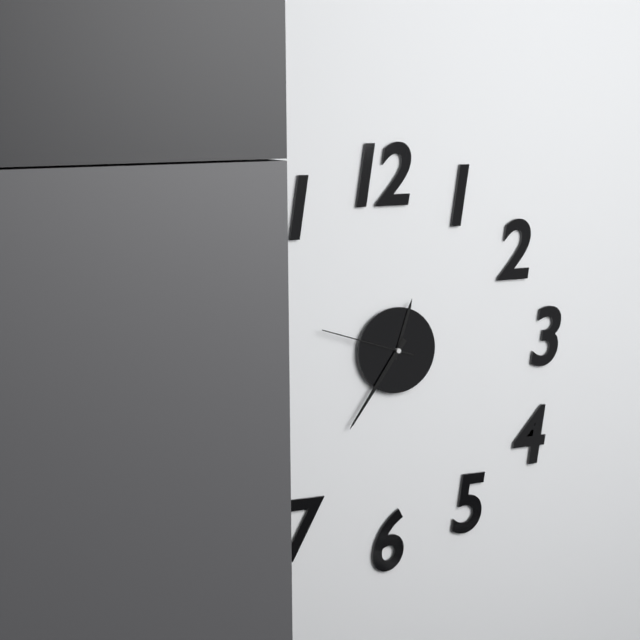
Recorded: h=12 m=36 s=48
